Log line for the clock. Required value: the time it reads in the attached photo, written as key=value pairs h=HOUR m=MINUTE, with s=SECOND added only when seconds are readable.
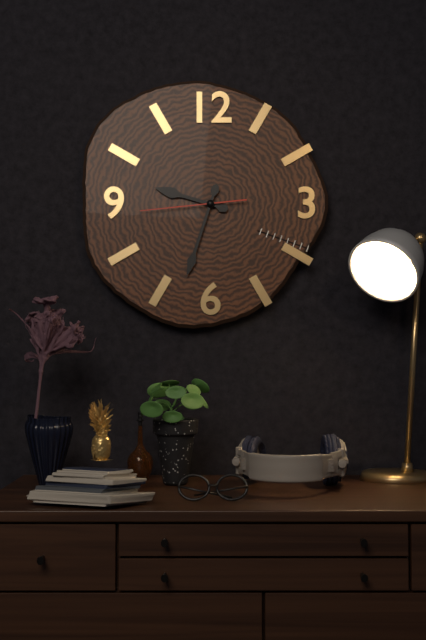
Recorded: h=9 m=33 s=44
